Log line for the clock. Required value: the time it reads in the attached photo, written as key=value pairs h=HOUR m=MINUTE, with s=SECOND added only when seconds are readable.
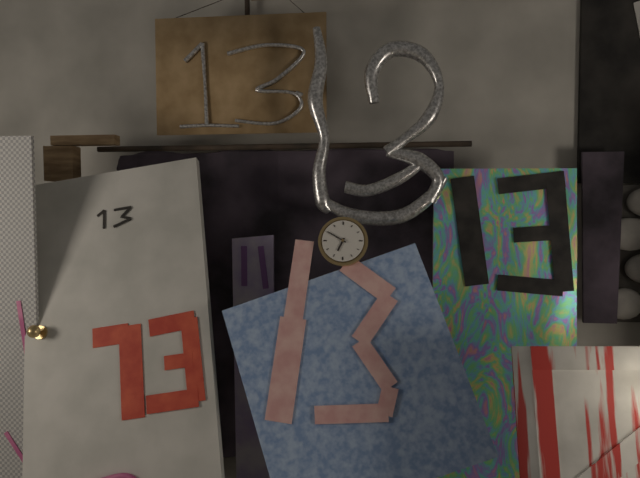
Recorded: h=6 m=50
